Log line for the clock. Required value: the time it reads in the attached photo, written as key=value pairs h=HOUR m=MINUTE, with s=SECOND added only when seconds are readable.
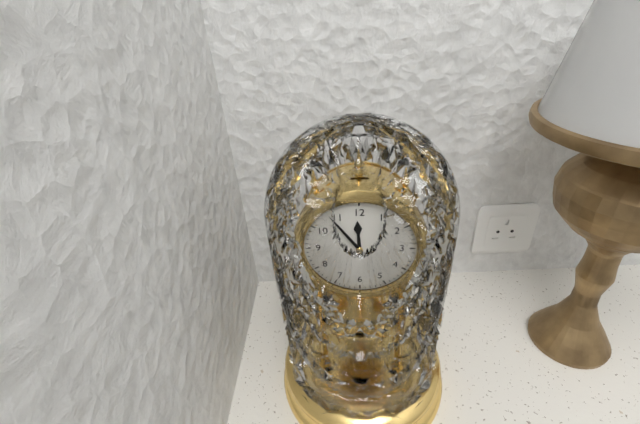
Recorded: h=11 m=54
